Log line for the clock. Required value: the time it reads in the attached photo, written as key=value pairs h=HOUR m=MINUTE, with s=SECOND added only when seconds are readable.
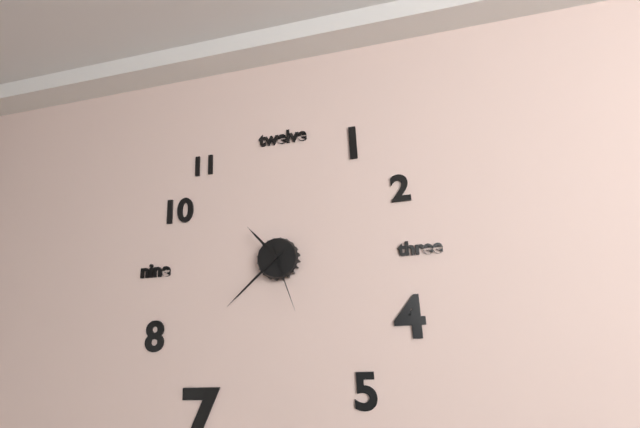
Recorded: h=10 m=38 s=27
